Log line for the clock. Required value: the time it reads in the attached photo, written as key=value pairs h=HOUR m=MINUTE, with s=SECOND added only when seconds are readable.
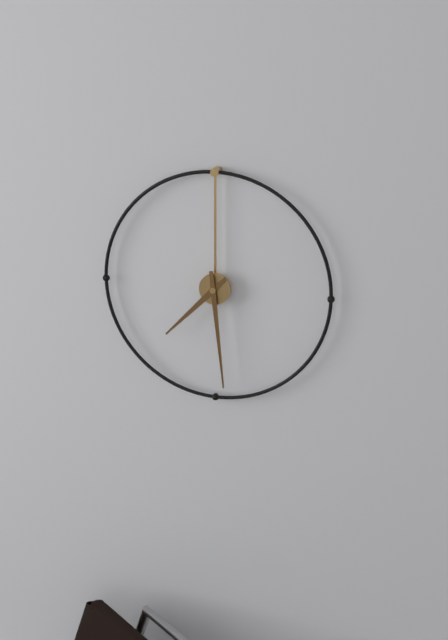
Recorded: h=7 m=29
